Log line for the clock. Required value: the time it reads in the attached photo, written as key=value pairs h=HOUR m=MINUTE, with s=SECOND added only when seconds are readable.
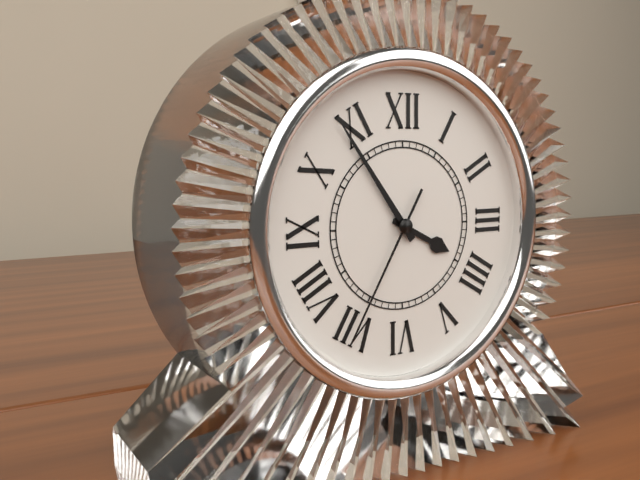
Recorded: h=3 m=54 s=35
